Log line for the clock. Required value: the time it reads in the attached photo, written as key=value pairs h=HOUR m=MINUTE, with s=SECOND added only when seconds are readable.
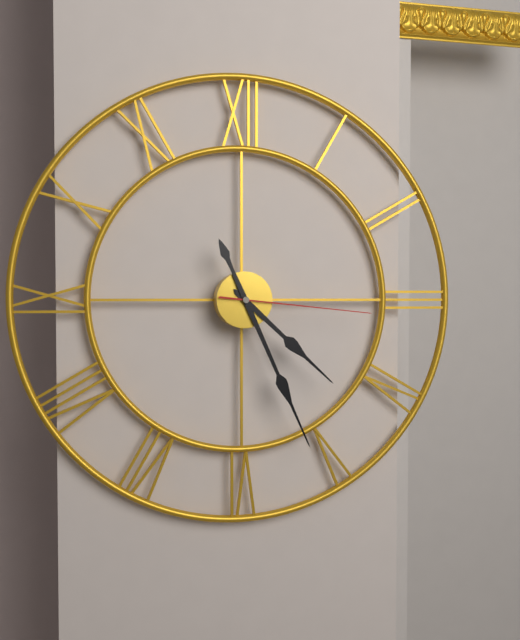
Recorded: h=4 m=26 s=16
